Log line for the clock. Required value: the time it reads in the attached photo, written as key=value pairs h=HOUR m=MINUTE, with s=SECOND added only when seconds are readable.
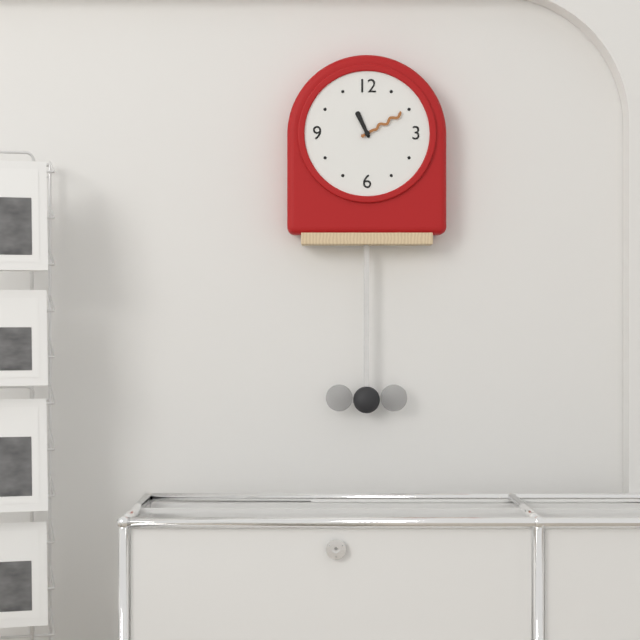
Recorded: h=11 m=10
